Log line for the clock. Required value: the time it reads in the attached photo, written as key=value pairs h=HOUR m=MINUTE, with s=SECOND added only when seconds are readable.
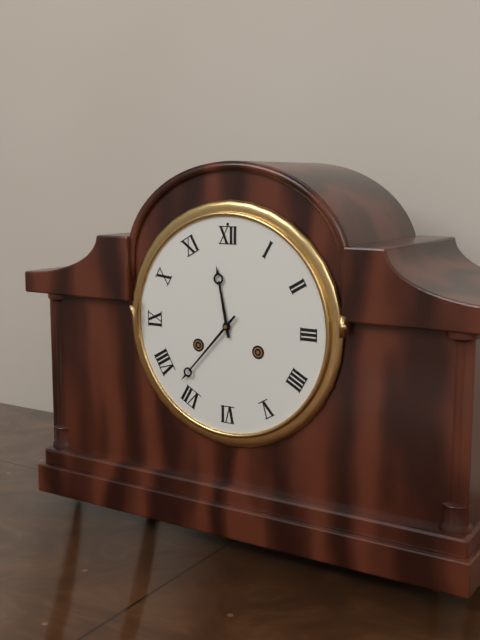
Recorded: h=11 m=37
